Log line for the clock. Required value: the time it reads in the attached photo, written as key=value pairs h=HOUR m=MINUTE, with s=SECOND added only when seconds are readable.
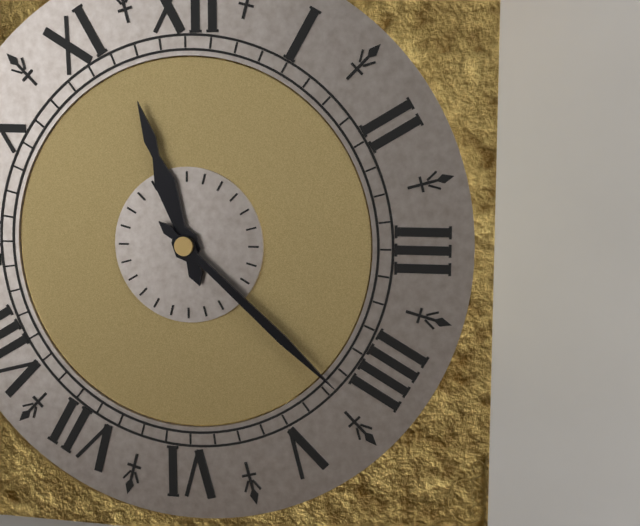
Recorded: h=11 m=22
